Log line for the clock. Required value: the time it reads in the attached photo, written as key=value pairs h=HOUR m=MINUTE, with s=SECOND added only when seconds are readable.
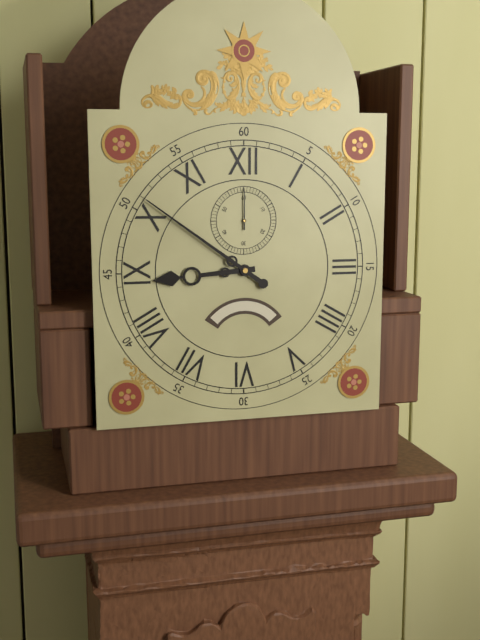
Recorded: h=8 m=51
